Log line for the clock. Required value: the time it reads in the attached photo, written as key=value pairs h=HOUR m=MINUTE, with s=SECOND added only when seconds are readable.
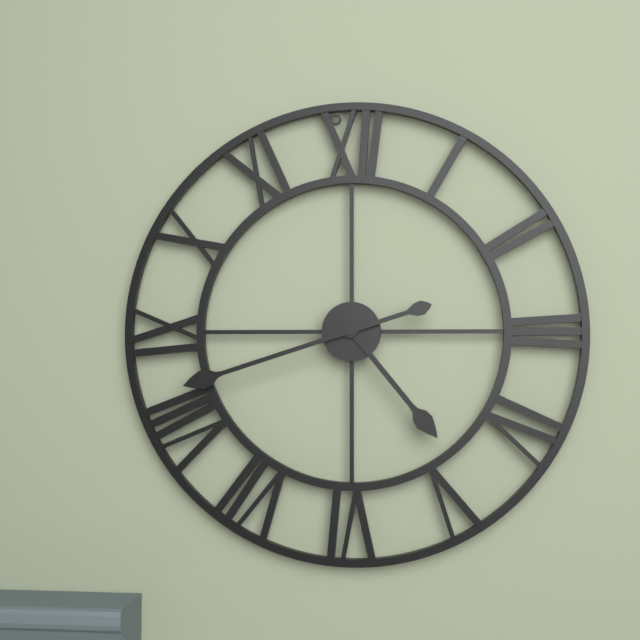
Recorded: h=4 m=42
